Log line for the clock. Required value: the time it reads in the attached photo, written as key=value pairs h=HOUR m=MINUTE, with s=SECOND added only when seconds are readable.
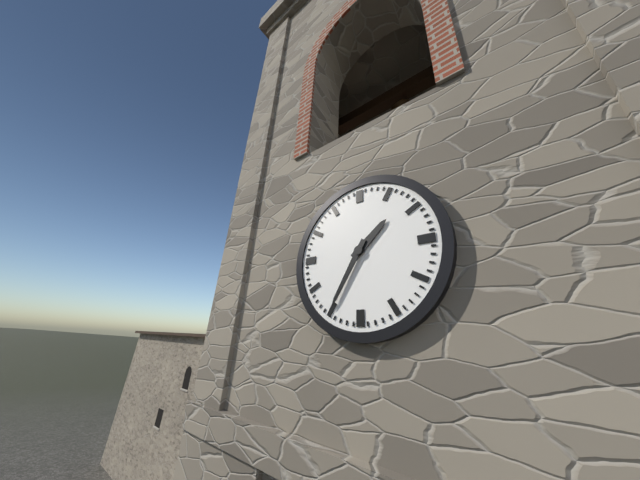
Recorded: h=1 m=35
